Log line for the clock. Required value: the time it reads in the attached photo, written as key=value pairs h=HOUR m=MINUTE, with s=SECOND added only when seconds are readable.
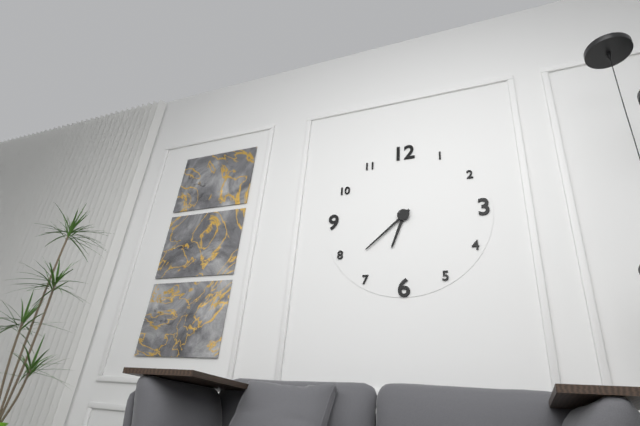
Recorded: h=6 m=38
